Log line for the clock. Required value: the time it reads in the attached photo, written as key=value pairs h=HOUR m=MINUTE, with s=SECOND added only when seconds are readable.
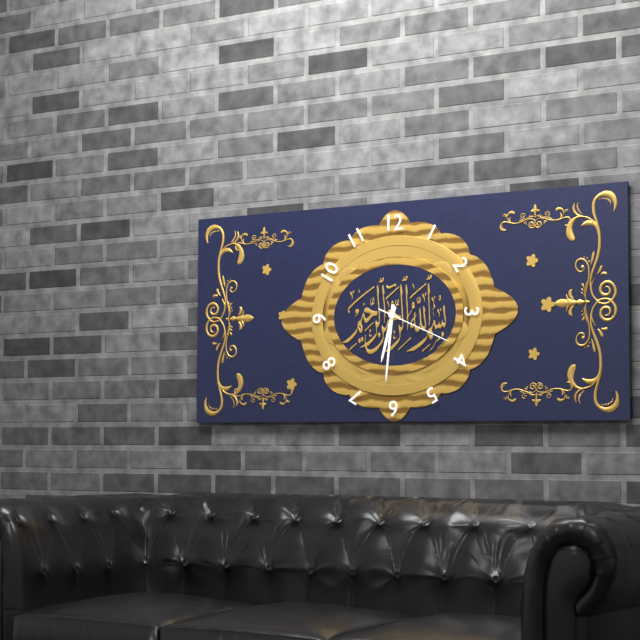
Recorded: h=6 m=31 s=19
